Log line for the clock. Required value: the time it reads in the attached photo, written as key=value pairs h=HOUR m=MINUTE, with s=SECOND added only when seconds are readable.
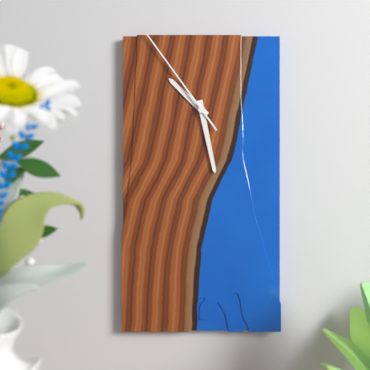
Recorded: h=10 m=28 s=54
